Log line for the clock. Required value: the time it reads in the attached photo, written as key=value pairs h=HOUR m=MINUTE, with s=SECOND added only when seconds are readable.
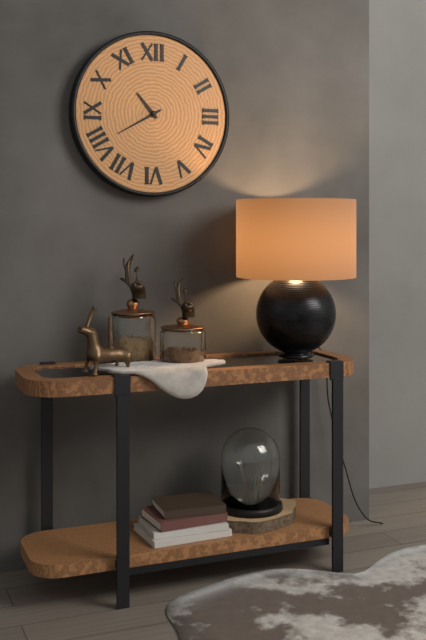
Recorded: h=10 m=40
